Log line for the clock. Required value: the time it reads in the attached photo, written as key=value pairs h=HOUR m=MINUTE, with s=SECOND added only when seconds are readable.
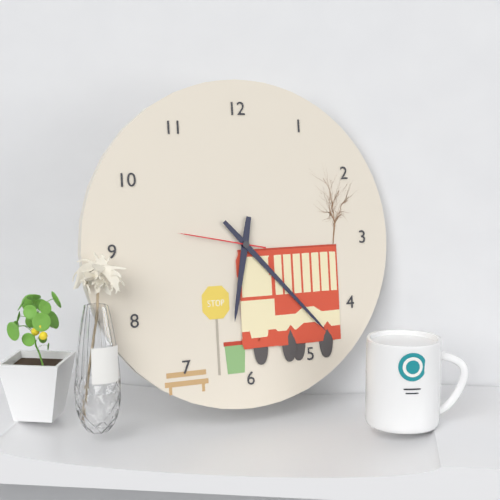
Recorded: h=6 m=23 s=47
